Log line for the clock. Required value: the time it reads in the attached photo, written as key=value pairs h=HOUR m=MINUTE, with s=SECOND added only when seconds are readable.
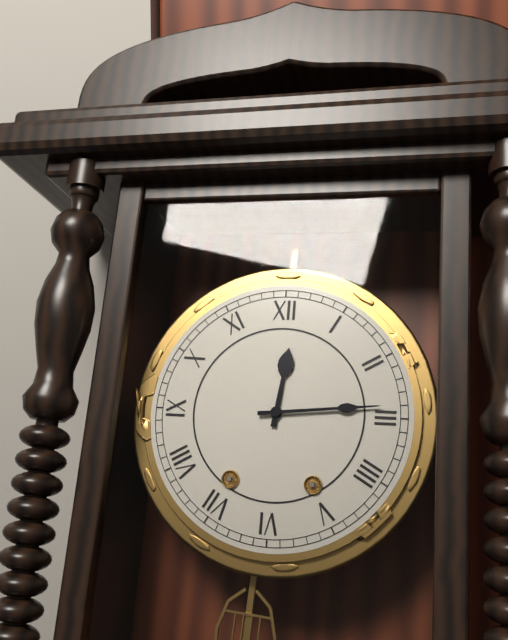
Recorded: h=12 m=14
